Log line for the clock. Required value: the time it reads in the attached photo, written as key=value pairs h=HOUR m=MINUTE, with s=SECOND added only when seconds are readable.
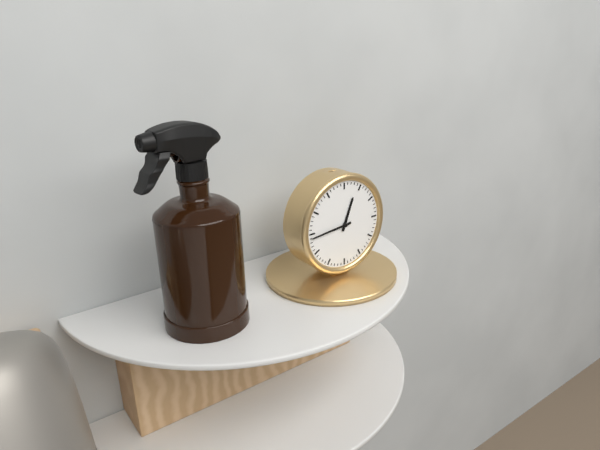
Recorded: h=12 m=44
